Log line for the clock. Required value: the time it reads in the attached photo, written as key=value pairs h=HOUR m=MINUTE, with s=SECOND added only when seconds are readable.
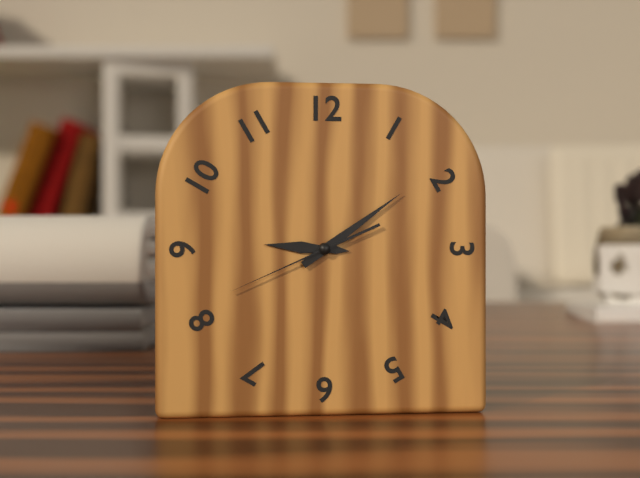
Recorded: h=9 m=9 s=41
